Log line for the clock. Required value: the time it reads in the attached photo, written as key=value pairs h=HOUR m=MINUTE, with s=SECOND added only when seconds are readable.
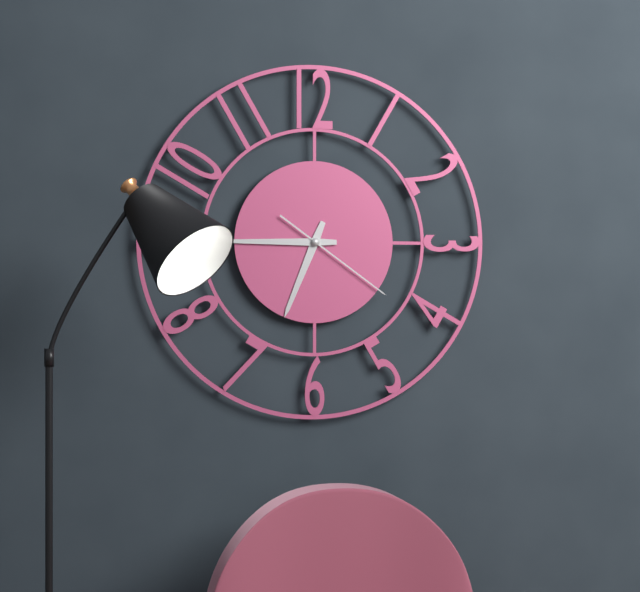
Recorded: h=6 m=45 s=21
